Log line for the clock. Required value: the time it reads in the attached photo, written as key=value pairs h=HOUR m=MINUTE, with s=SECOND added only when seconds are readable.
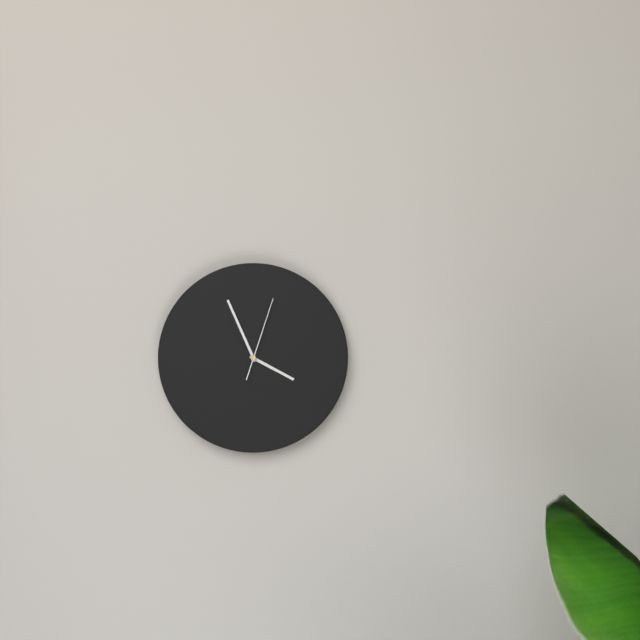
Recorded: h=3 m=56 s=3
